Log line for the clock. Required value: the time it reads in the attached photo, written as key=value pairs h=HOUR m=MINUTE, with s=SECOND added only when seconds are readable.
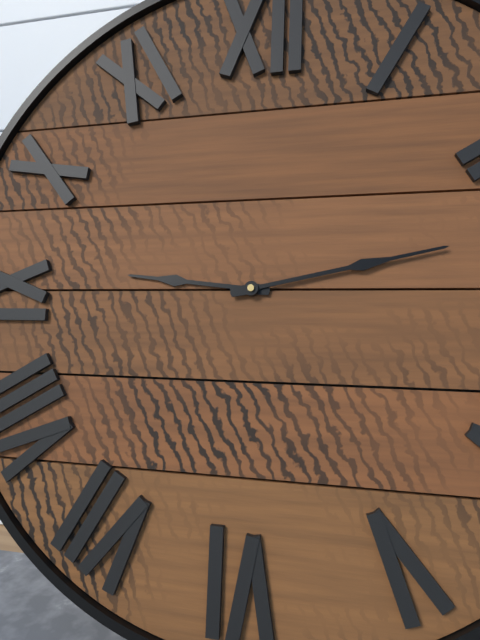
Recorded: h=9 m=13
